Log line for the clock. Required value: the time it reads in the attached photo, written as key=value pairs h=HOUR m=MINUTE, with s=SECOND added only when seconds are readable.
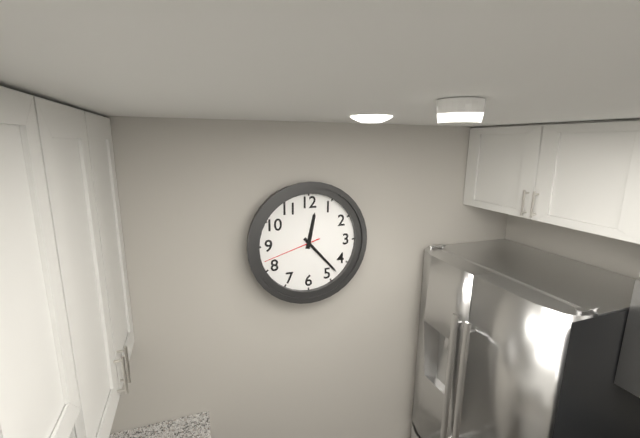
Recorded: h=12 m=23 s=42
